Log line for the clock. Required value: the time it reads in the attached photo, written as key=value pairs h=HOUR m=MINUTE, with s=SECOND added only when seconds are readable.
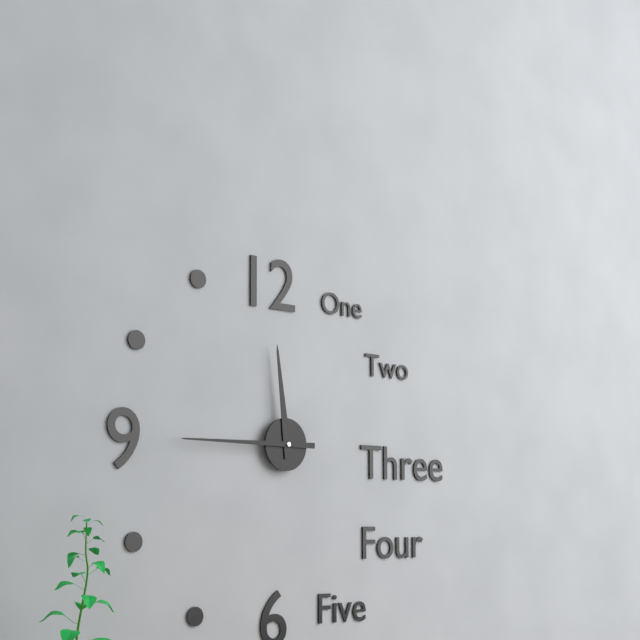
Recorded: h=11 m=45
